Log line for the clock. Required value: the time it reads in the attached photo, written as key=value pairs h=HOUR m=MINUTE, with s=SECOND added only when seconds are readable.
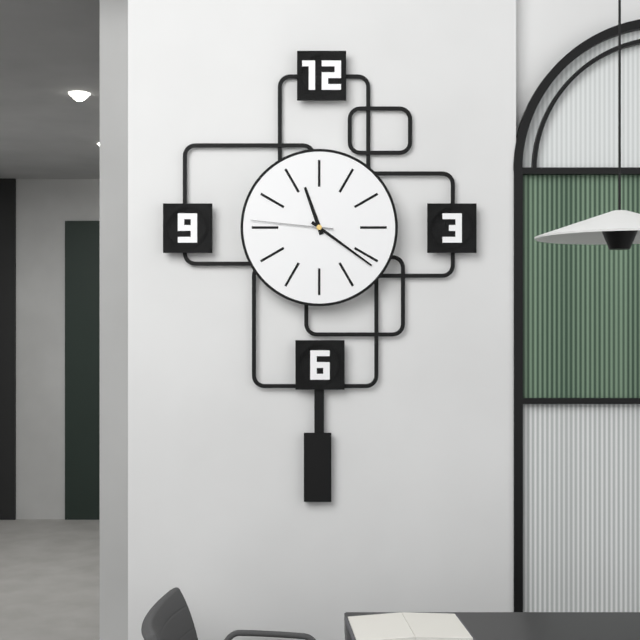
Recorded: h=11 m=21 s=46
